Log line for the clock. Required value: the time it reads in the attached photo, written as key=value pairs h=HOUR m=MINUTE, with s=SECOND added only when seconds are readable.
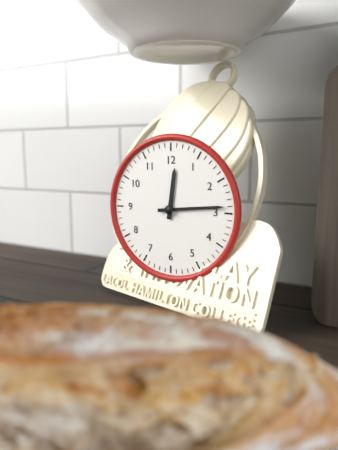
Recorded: h=12 m=14
